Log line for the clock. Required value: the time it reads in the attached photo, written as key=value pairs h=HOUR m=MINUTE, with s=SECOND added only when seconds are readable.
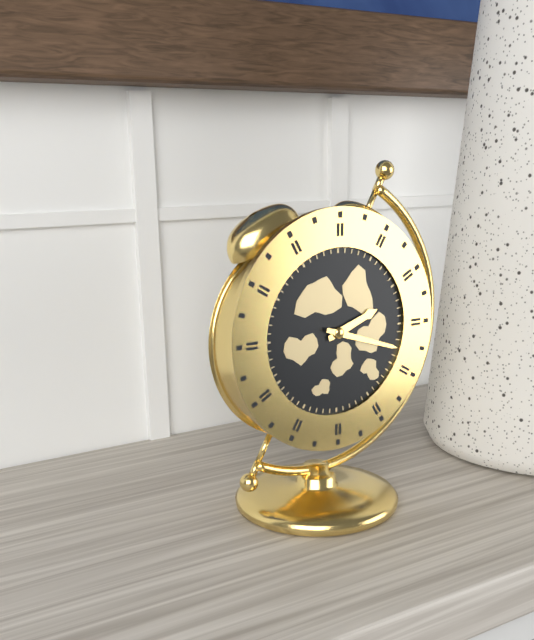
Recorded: h=2 m=18
